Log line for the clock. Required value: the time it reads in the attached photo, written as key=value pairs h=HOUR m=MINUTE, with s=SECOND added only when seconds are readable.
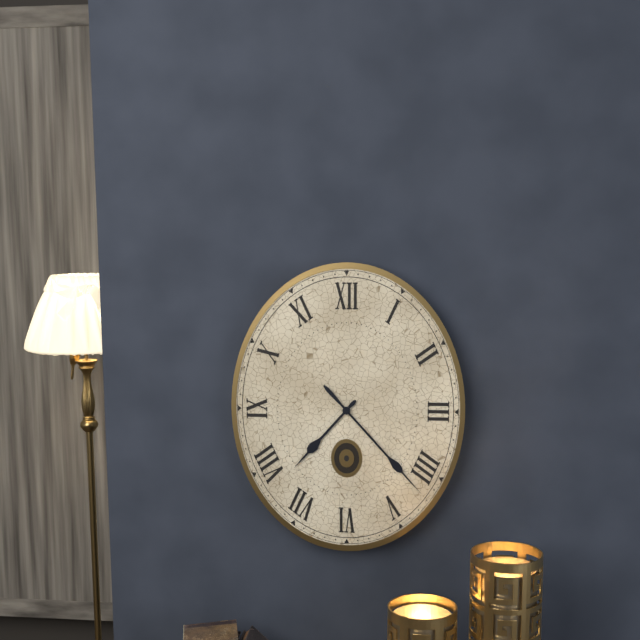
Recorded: h=7 m=23
